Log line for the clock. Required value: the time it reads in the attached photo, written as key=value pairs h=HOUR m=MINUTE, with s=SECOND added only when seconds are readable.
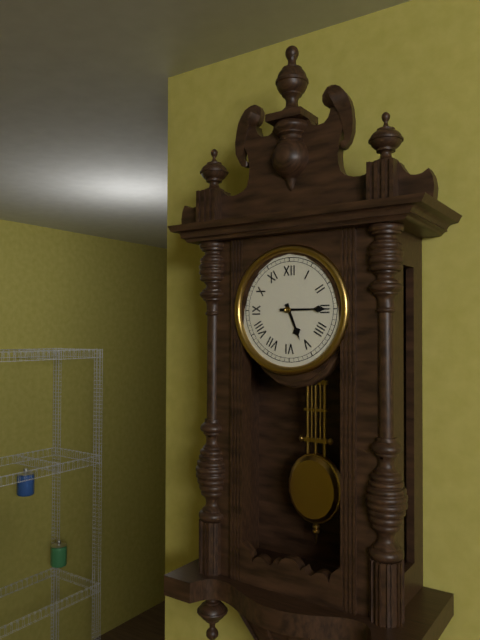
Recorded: h=5 m=15
